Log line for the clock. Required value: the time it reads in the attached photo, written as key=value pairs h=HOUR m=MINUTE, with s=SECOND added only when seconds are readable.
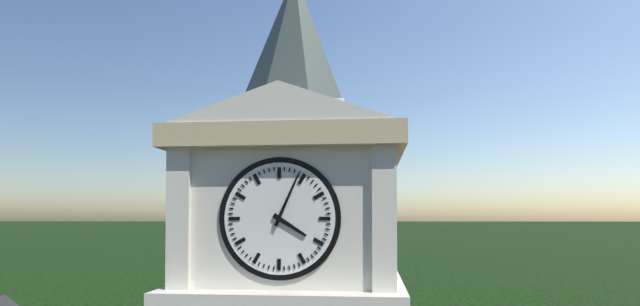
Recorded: h=4 m=4
